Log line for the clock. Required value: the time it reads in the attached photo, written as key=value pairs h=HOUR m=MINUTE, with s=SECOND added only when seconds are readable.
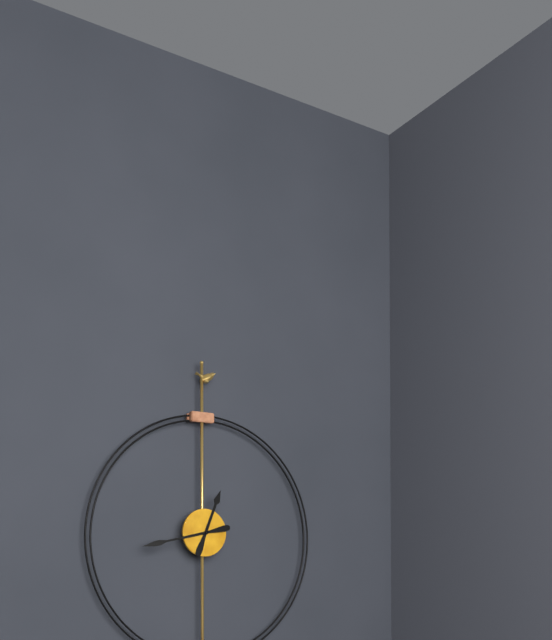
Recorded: h=12 m=43
